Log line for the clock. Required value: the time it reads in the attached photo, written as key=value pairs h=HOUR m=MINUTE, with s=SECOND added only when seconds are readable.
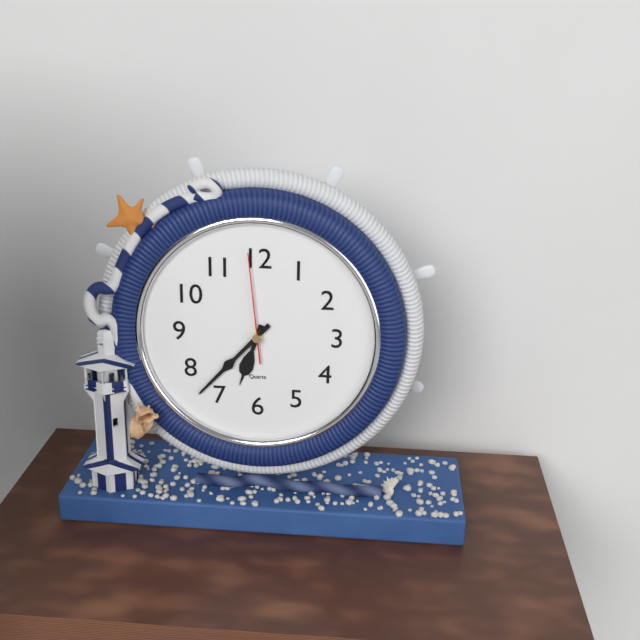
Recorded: h=6 m=37 s=59
